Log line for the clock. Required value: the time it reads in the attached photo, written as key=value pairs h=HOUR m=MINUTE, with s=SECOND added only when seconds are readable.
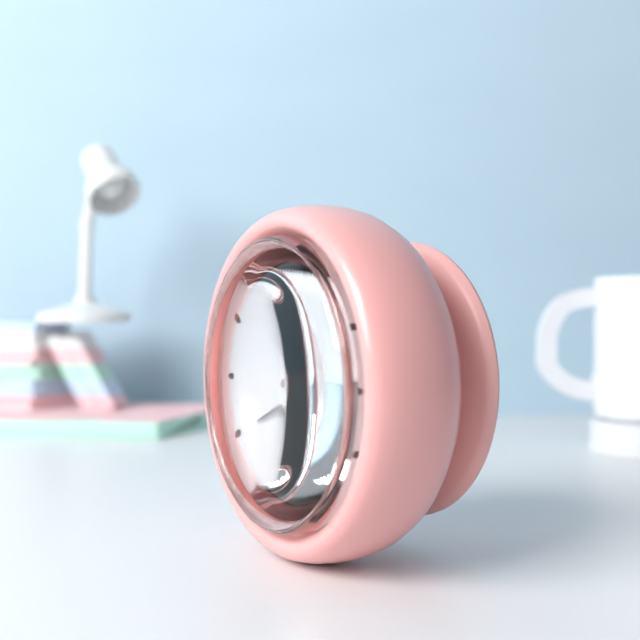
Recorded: h=7 m=56
